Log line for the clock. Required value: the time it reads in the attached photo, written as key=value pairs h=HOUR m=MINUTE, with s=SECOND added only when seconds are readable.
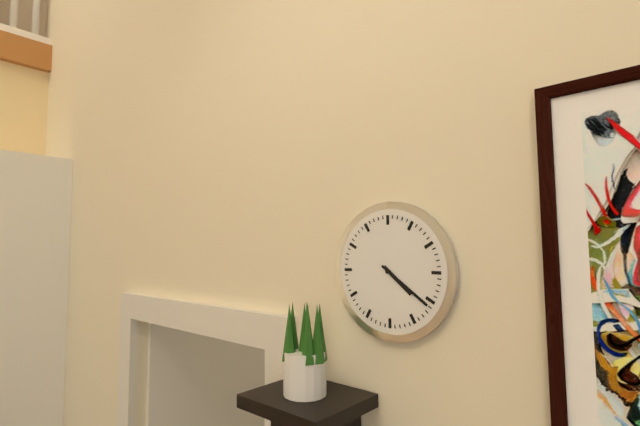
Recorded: h=4 m=21
